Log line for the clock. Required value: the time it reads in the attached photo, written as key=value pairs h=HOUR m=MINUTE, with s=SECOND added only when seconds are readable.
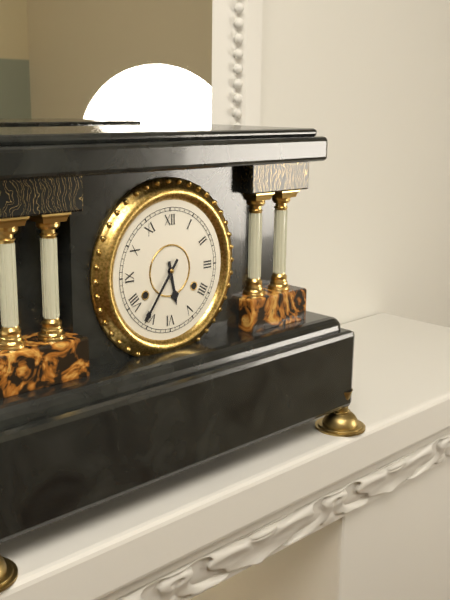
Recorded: h=5 m=36
